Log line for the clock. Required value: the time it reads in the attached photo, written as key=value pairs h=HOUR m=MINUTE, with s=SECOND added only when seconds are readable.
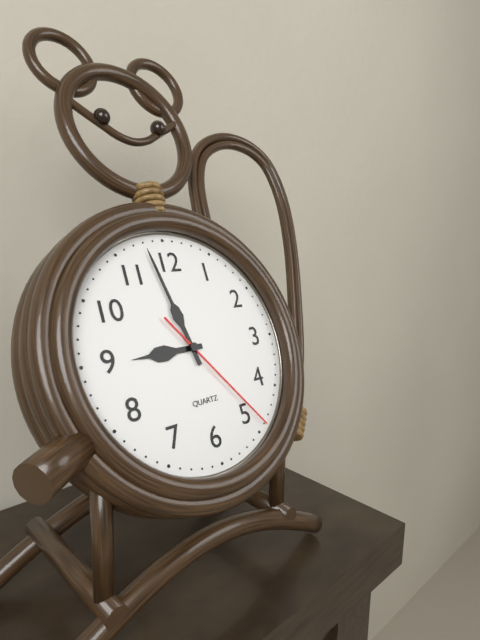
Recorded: h=8 m=58 s=24
